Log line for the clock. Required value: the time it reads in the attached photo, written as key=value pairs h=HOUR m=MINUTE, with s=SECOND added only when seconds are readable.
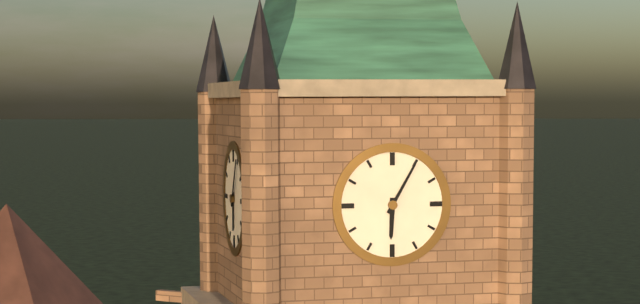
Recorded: h=6 m=5
